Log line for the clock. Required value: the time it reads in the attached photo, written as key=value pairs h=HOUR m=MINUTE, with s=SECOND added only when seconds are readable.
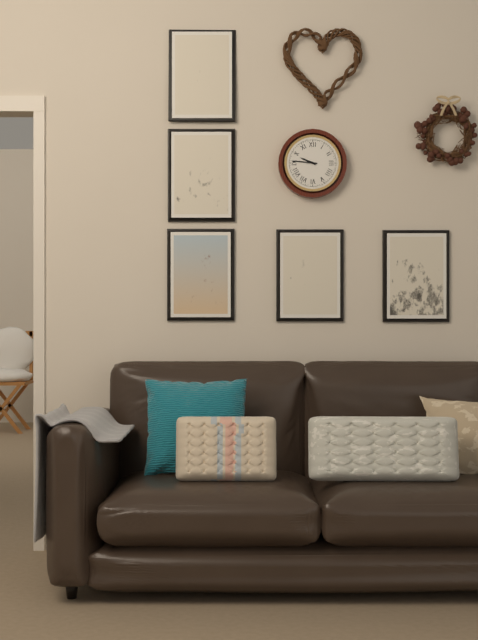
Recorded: h=9 m=46
